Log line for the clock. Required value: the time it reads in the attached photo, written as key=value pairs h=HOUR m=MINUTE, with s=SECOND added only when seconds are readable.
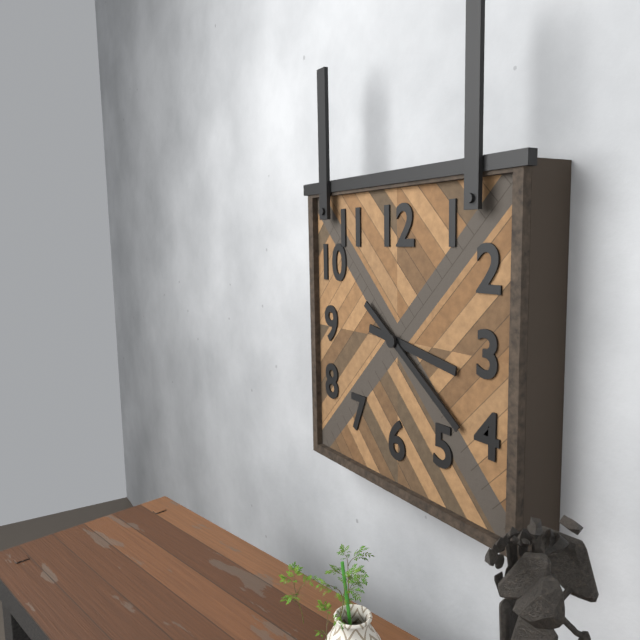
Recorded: h=3 m=21
